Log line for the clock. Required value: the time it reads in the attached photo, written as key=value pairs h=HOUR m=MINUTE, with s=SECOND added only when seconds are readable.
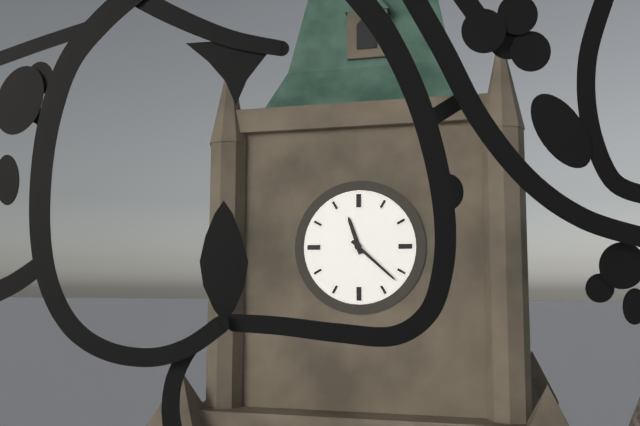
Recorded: h=11 m=22
